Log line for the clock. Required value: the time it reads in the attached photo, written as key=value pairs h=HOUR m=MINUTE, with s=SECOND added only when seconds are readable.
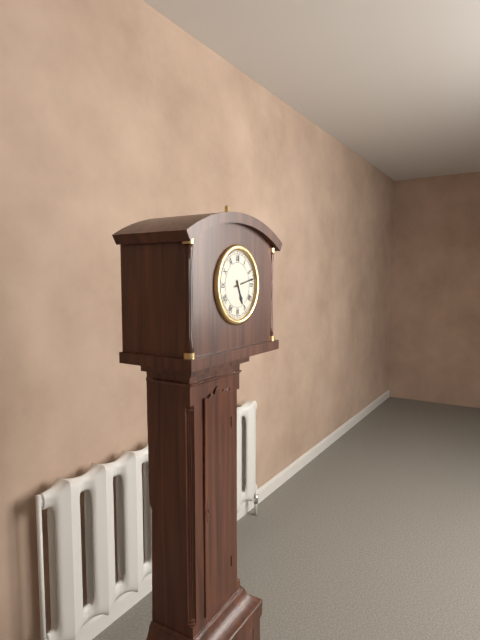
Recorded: h=5 m=13
